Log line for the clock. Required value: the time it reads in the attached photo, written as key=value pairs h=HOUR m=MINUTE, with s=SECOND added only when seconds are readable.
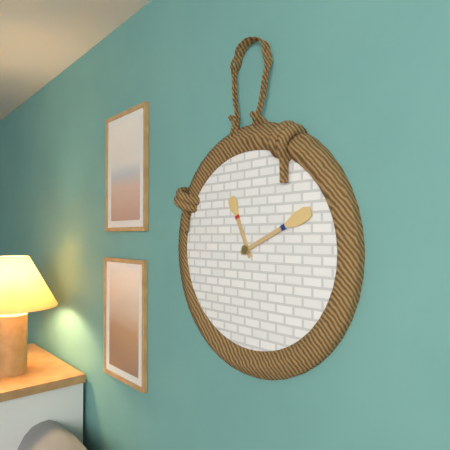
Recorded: h=11 m=11
